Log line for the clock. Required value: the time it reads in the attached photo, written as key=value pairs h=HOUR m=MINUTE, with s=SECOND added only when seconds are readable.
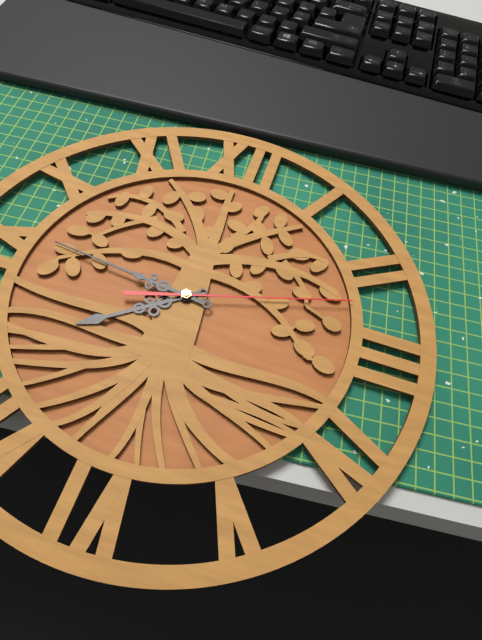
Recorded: h=7 m=46 s=12
